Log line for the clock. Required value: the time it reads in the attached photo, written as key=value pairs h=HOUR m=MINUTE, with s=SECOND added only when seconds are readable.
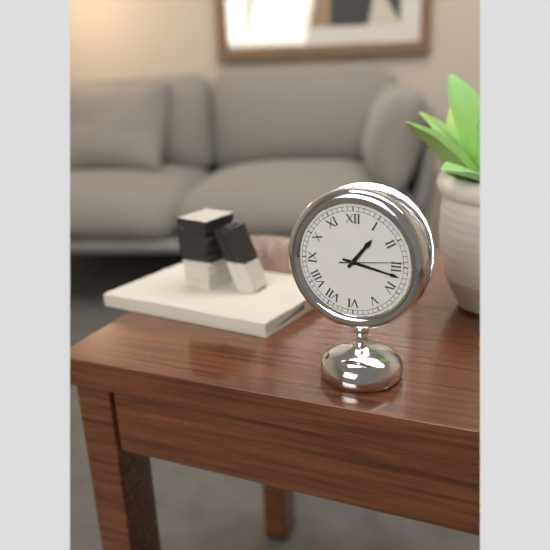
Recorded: h=1 m=17 s=14
